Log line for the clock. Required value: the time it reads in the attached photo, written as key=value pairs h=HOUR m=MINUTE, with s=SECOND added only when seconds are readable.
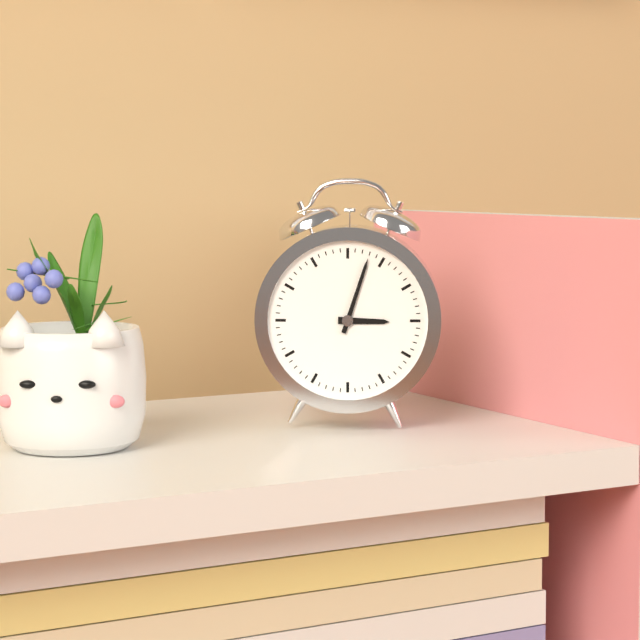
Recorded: h=3 m=3
